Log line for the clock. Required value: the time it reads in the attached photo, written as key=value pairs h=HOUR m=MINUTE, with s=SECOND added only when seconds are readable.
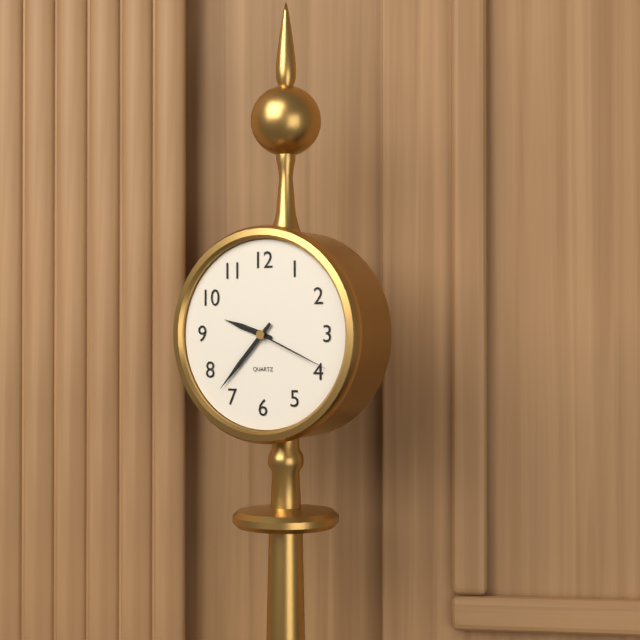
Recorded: h=9 m=37 s=19
